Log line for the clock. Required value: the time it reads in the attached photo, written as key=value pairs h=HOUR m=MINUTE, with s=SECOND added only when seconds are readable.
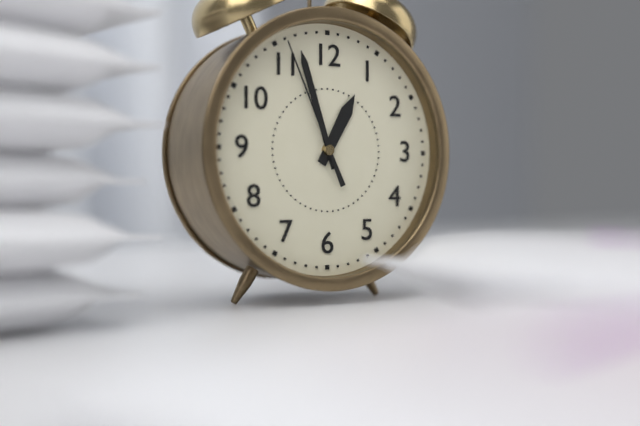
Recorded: h=12 m=57 s=56
